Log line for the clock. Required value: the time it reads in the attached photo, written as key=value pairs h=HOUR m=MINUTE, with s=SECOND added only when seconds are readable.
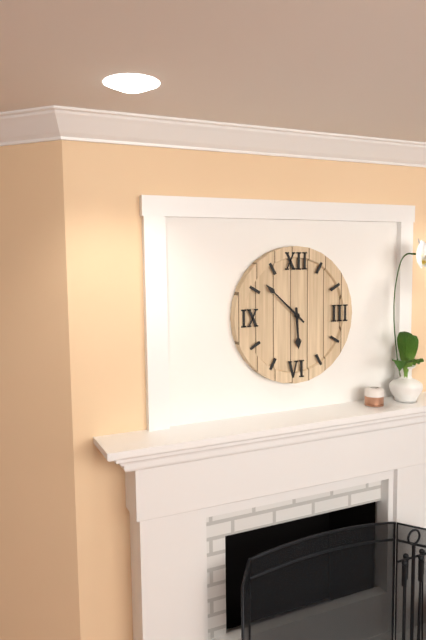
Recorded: h=5 m=52
